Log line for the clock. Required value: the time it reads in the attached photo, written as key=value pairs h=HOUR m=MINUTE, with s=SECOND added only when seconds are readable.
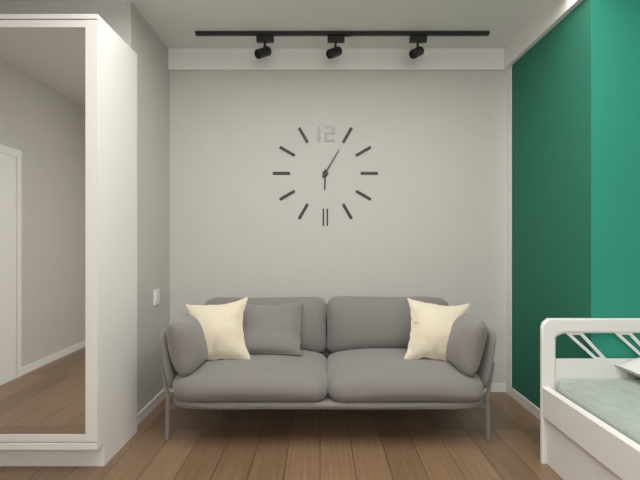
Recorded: h=6 m=5
